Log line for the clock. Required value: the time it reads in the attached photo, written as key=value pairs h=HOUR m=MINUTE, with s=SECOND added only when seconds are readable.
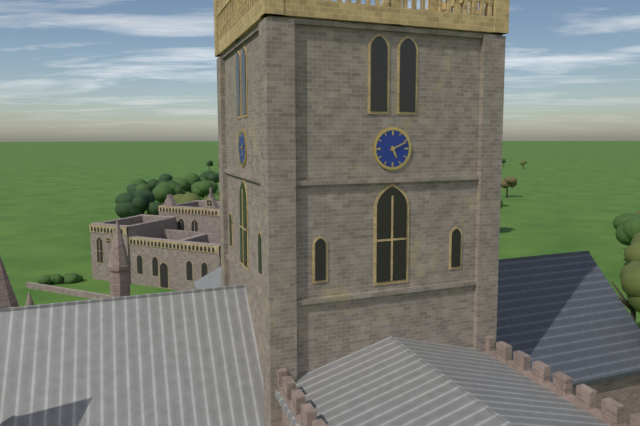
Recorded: h=5 m=11
